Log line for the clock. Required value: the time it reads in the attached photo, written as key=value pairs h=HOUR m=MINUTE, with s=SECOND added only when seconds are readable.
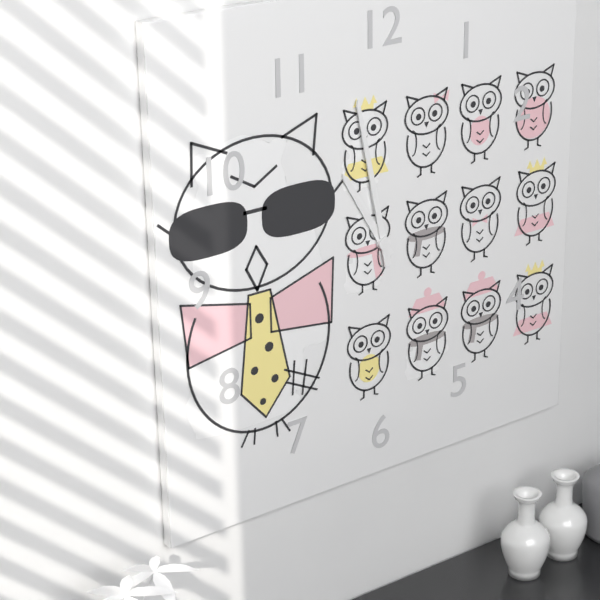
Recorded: h=10 m=58
